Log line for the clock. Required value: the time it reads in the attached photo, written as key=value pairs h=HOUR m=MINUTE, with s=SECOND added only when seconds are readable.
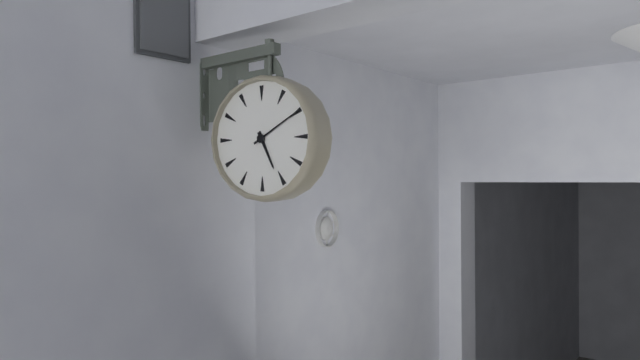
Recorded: h=5 m=10
